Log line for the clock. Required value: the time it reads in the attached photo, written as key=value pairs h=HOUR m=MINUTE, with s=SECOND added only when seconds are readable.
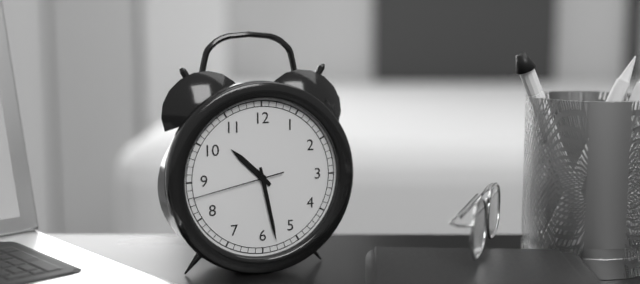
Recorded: h=10 m=28 s=43
